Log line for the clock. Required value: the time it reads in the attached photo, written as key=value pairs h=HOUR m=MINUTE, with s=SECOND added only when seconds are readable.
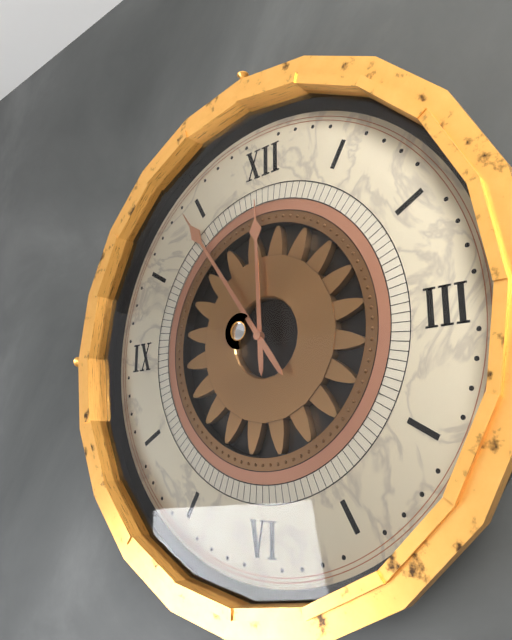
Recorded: h=11 m=54
